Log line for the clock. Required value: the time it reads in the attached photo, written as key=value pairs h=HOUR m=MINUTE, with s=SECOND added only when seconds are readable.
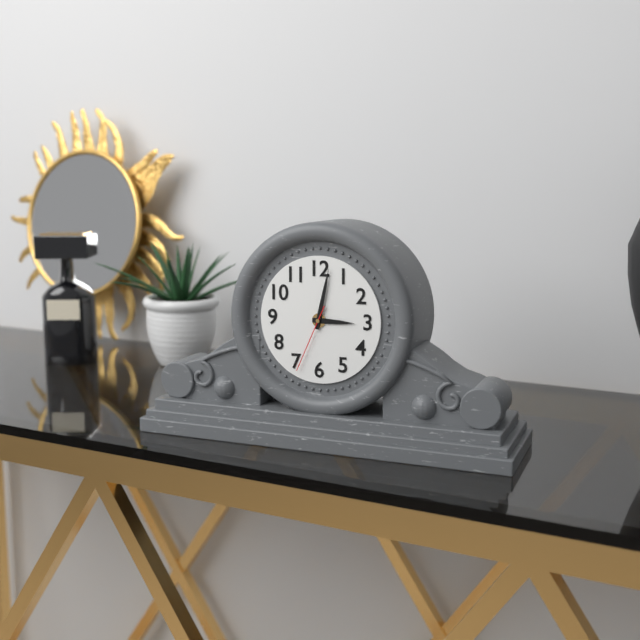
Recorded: h=3 m=2 s=34
